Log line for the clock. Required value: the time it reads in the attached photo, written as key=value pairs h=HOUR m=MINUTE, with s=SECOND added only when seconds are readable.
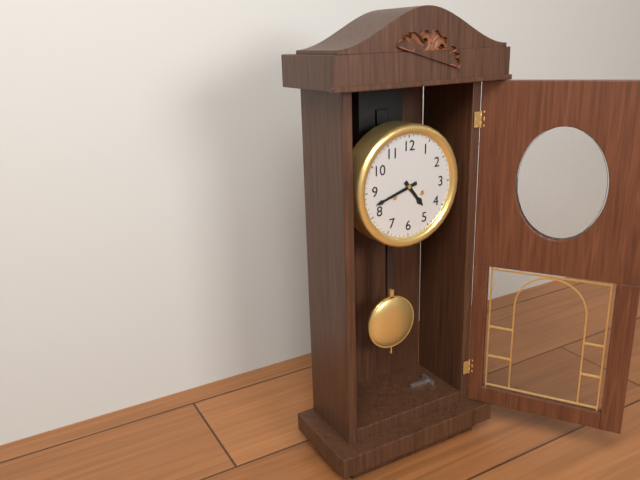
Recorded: h=4 m=42
